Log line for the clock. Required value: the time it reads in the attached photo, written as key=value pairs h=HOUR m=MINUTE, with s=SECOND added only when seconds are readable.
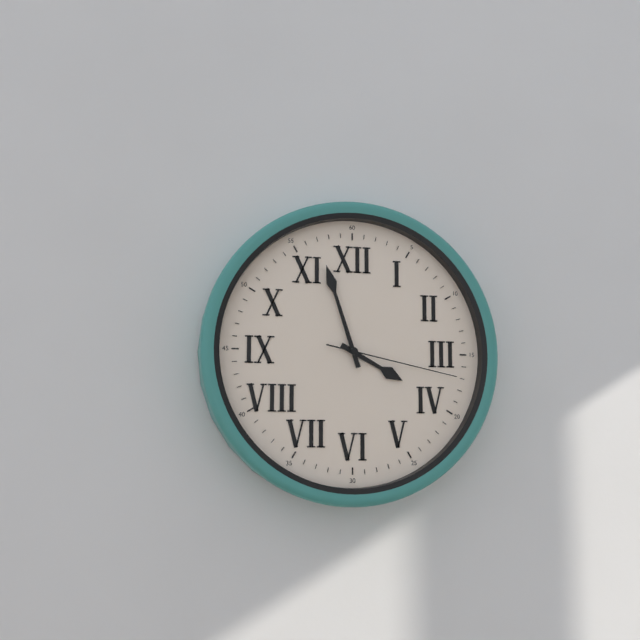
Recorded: h=3 m=57 s=17
